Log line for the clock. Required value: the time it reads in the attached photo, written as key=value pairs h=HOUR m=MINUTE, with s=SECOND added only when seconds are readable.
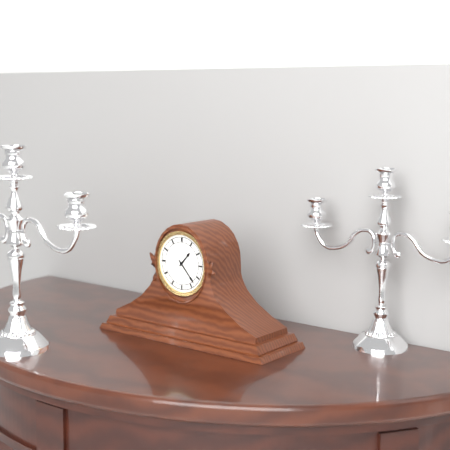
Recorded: h=1 m=23
